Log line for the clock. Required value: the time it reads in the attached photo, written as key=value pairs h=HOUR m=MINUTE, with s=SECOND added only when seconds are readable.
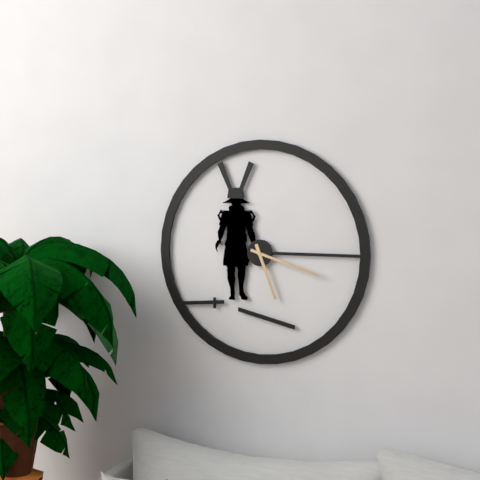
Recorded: h=5 m=18
